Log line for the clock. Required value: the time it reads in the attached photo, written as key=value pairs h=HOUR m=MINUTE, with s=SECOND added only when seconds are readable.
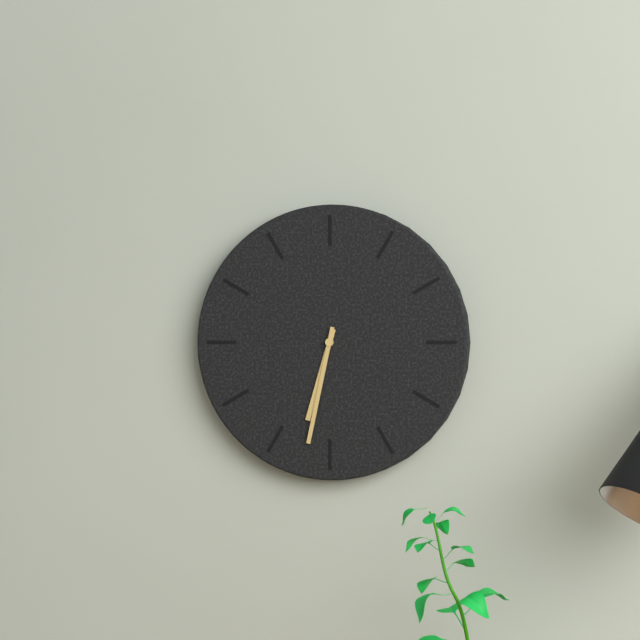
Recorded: h=6 m=32
